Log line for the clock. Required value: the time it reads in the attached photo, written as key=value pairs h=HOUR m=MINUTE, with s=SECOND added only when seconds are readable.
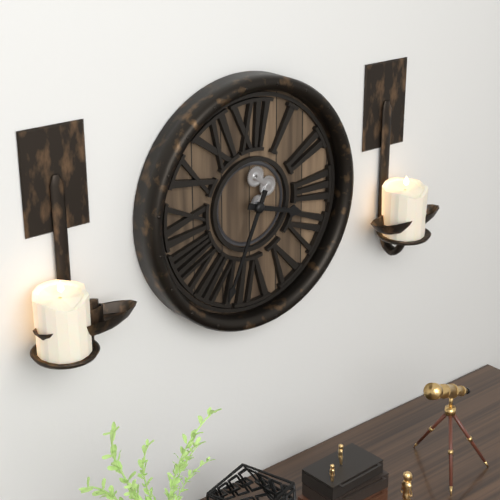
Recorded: h=3 m=34
